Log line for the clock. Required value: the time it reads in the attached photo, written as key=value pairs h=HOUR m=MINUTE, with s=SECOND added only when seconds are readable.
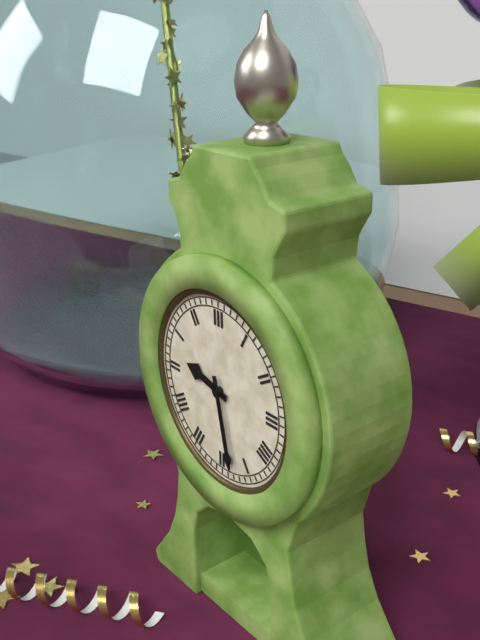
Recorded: h=9 m=28
